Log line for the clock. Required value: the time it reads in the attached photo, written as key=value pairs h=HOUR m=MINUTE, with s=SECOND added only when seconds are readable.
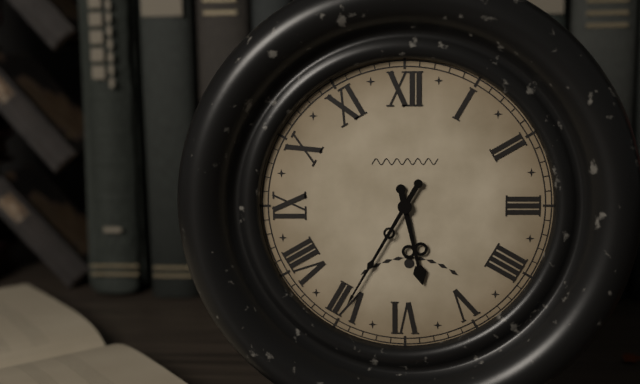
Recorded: h=5 m=35
